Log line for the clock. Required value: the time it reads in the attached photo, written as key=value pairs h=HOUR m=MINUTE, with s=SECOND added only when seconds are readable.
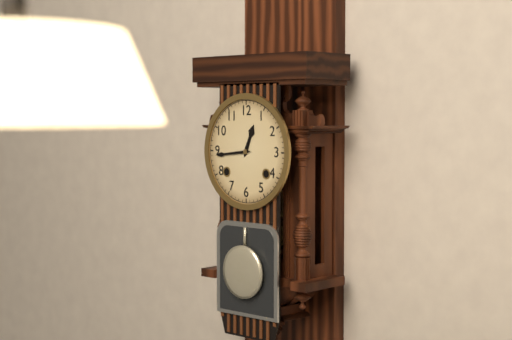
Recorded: h=12 m=44
